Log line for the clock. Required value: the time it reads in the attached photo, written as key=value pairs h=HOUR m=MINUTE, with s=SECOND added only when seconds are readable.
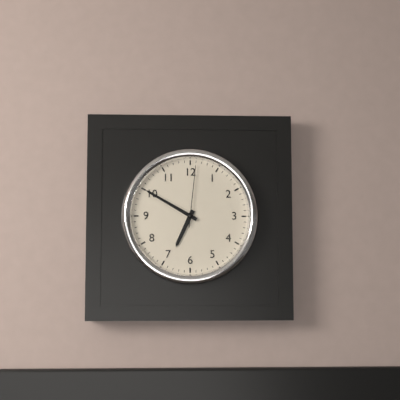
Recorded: h=6 m=50 s=1
